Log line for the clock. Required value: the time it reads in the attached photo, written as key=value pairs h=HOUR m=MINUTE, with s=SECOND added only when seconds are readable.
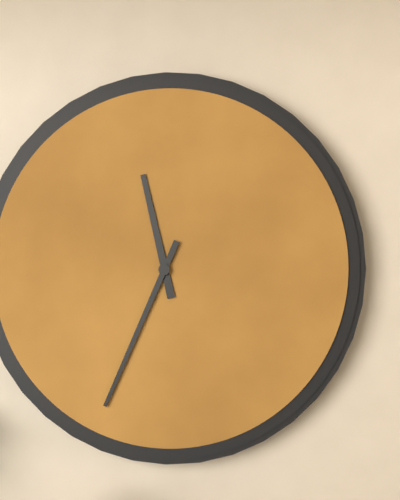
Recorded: h=11 m=34
